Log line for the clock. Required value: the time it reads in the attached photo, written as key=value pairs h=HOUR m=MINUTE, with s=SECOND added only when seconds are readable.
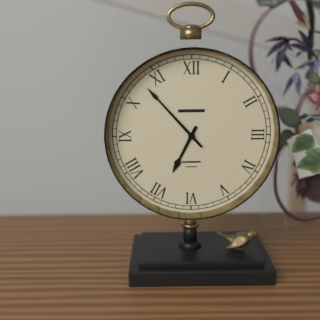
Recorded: h=6 m=53
